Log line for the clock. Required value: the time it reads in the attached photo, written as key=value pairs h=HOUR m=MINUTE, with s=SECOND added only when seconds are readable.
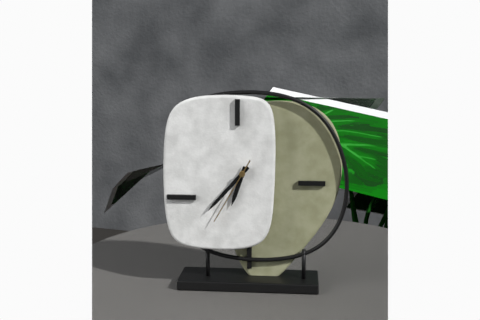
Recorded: h=6 m=37 s=35
